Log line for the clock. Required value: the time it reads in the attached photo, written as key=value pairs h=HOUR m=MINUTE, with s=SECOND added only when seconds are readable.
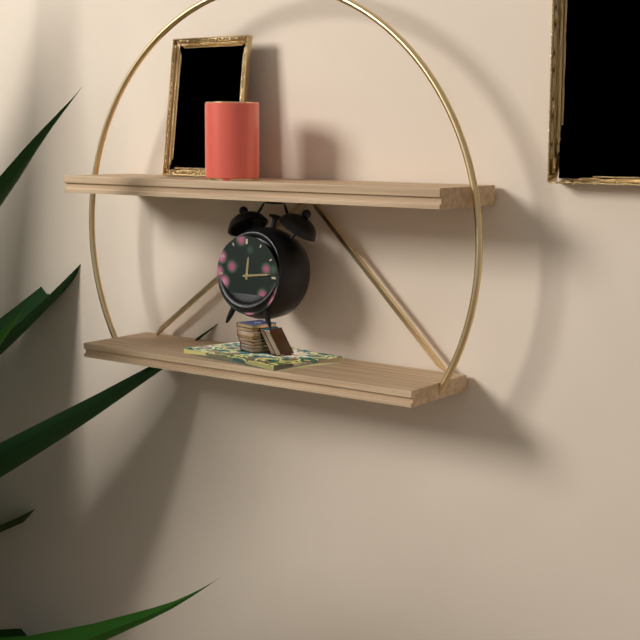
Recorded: h=12 m=14
